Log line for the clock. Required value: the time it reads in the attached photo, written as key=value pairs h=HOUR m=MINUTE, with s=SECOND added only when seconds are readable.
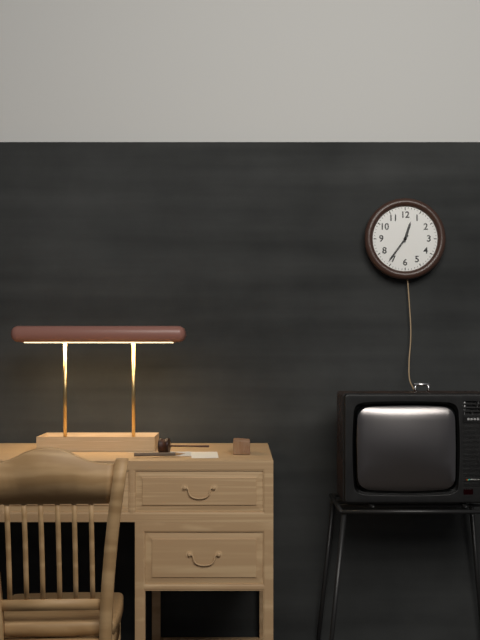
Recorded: h=12 m=36
